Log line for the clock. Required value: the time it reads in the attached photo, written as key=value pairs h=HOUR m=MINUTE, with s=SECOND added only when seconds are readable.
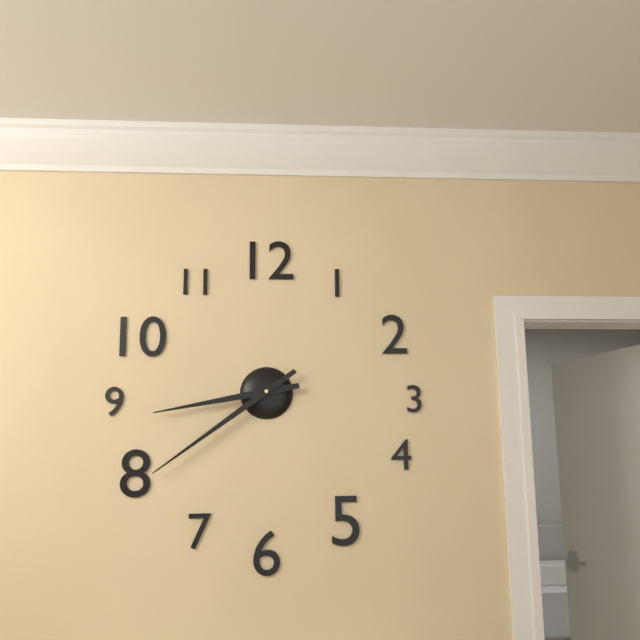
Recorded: h=8 m=39
